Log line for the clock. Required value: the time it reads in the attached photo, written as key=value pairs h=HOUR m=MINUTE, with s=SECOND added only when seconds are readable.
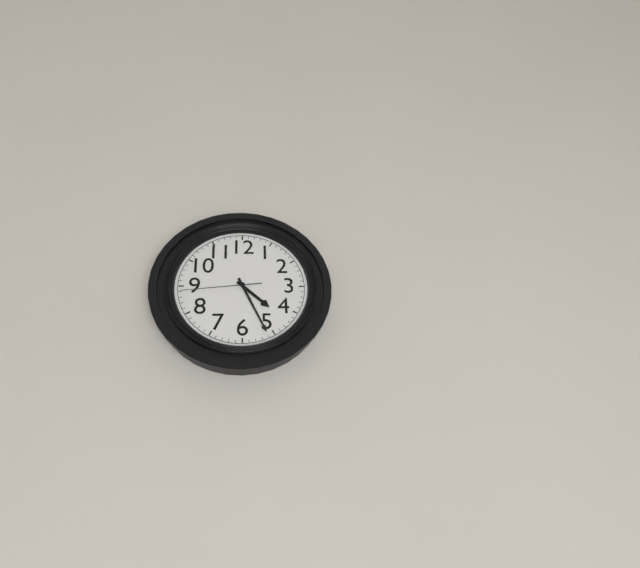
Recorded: h=4 m=26 s=44
